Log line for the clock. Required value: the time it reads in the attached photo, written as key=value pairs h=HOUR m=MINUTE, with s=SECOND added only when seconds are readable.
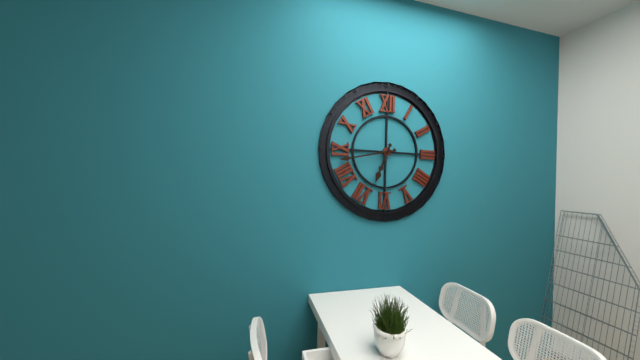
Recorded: h=6 m=43
